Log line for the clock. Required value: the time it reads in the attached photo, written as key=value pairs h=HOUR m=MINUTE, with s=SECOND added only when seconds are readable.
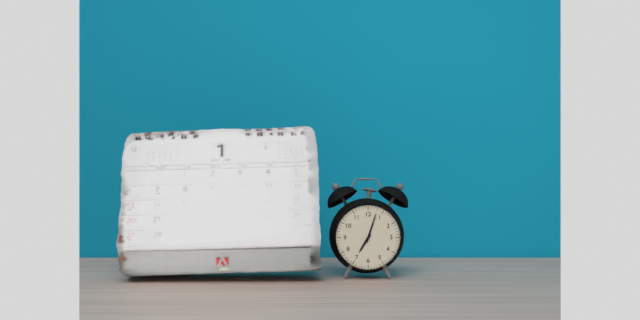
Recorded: h=7 m=3
